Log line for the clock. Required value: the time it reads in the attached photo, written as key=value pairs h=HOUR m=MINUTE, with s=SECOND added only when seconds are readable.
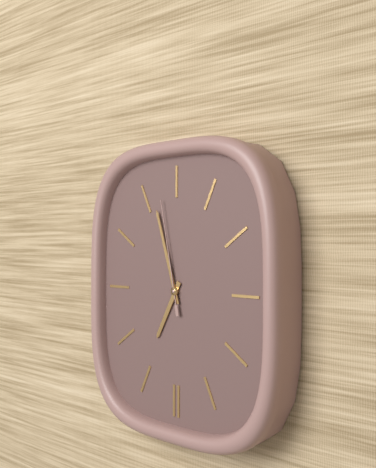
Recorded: h=6 m=57 s=58
